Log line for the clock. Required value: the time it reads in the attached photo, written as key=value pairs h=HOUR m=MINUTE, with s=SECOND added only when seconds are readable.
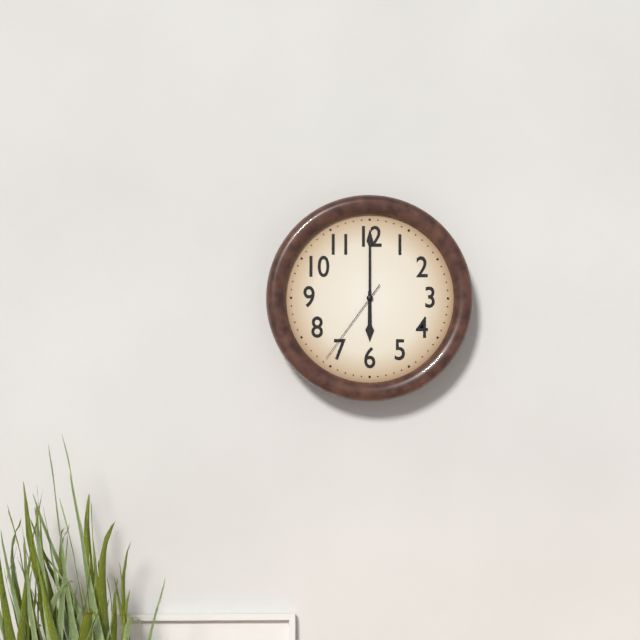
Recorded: h=6 m=0 s=36
